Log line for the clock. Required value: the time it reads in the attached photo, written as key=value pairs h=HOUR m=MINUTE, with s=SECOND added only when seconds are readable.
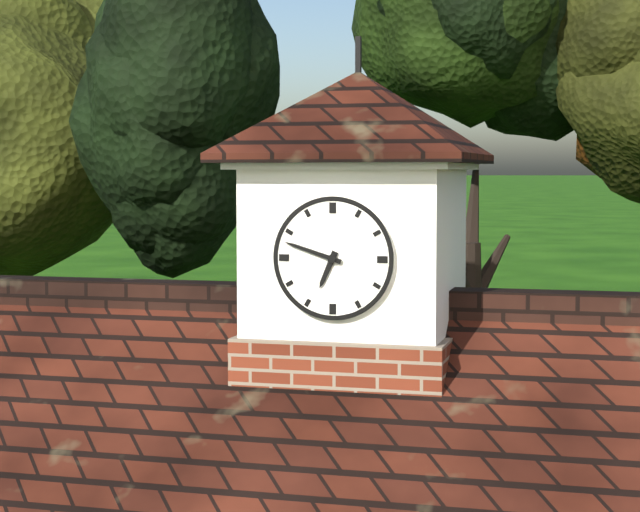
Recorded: h=6 m=48
